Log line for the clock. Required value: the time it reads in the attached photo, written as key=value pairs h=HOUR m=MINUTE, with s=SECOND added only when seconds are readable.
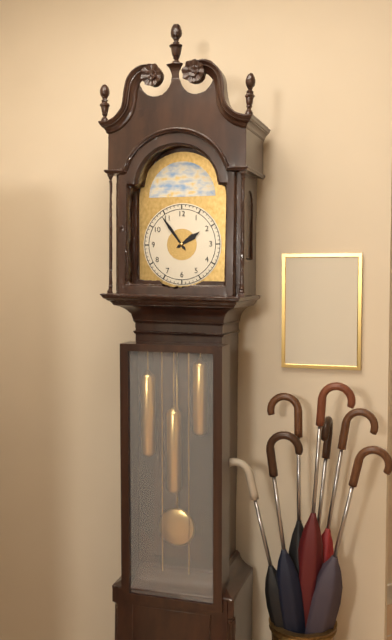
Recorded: h=1 m=54
